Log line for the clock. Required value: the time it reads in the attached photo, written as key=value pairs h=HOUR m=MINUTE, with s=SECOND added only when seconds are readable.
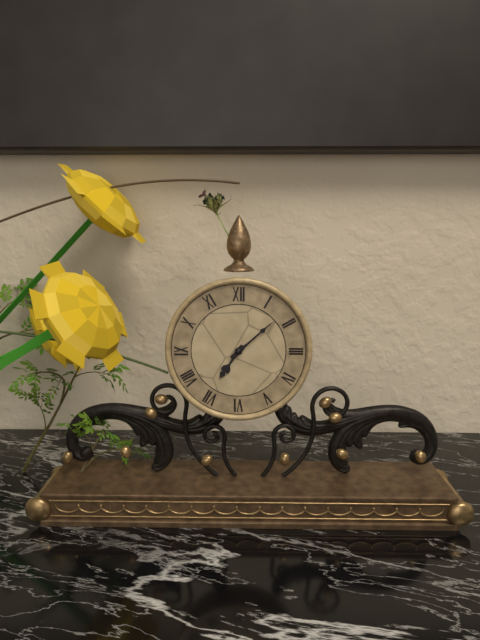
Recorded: h=7 m=8
